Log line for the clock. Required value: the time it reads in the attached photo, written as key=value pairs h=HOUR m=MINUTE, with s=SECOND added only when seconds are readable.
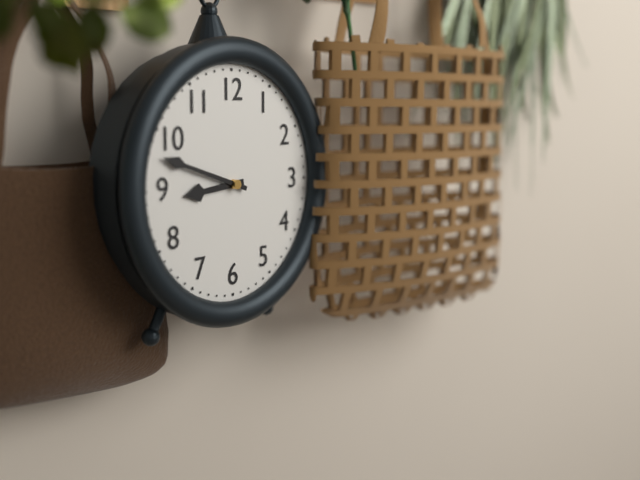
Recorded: h=8 m=48
